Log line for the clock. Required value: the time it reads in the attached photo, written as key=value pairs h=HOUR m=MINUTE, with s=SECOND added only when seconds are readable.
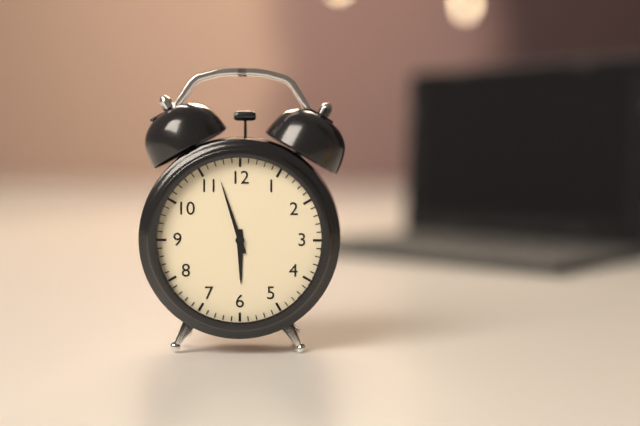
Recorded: h=5 m=57
